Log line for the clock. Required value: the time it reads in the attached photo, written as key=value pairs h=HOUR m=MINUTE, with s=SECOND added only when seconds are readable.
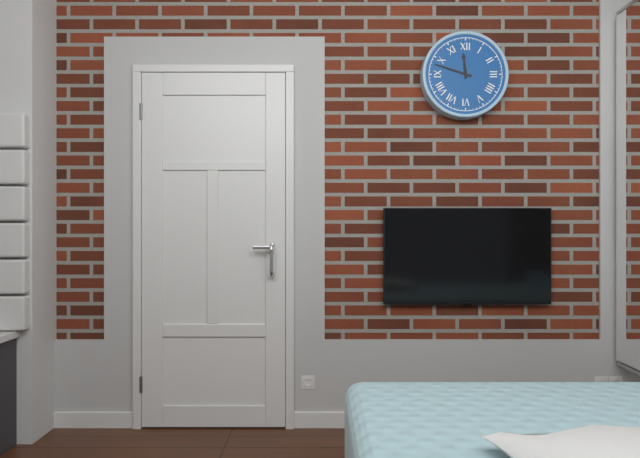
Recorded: h=11 m=48
